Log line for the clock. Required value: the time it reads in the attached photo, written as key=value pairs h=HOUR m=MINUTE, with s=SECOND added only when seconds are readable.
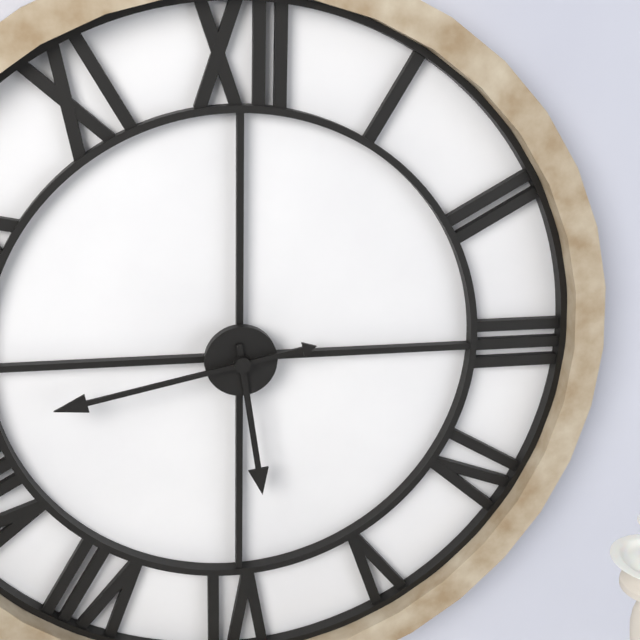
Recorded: h=5 m=43
